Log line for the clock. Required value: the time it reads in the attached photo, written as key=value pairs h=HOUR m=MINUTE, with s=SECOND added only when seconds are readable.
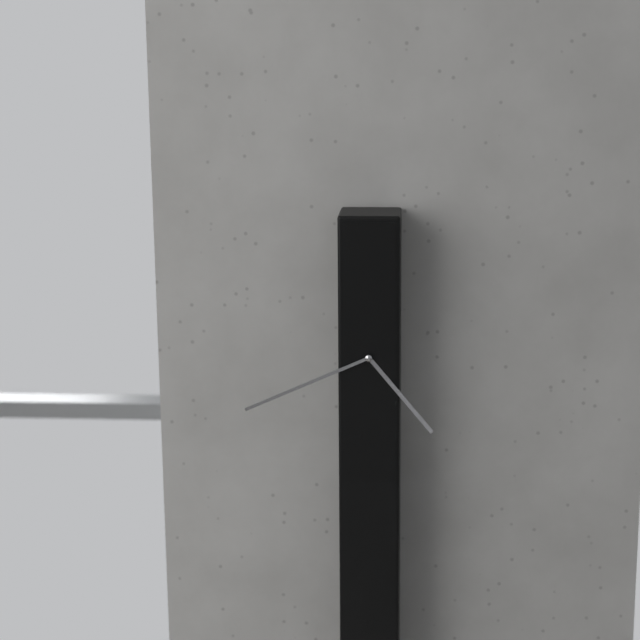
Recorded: h=4 m=41
